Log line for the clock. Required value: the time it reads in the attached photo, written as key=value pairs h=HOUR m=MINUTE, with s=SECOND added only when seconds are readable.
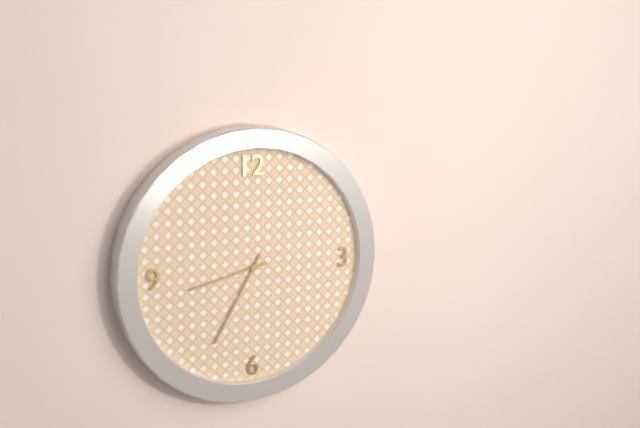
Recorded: h=8 m=35
